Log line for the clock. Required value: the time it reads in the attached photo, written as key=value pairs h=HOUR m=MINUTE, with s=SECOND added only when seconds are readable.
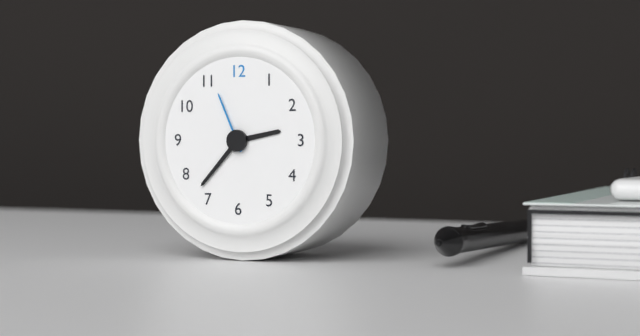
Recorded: h=2 m=37 s=56
